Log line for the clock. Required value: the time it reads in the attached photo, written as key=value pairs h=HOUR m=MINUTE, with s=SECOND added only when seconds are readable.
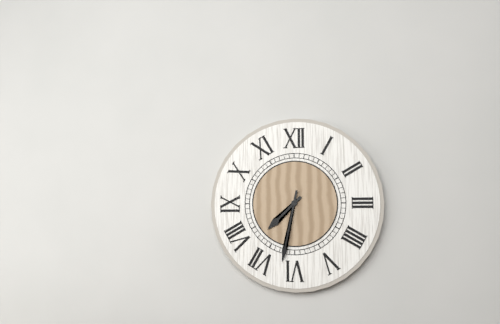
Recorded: h=7 m=32
